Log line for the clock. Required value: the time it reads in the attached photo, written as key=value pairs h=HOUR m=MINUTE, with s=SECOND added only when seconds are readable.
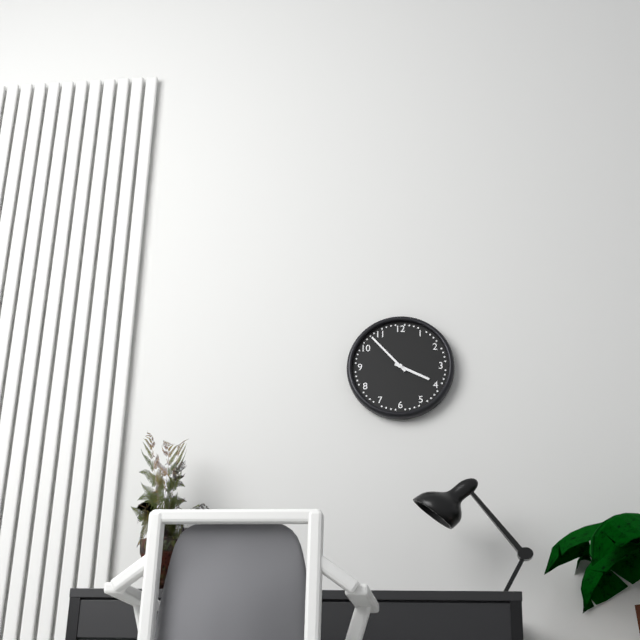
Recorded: h=3 m=53
